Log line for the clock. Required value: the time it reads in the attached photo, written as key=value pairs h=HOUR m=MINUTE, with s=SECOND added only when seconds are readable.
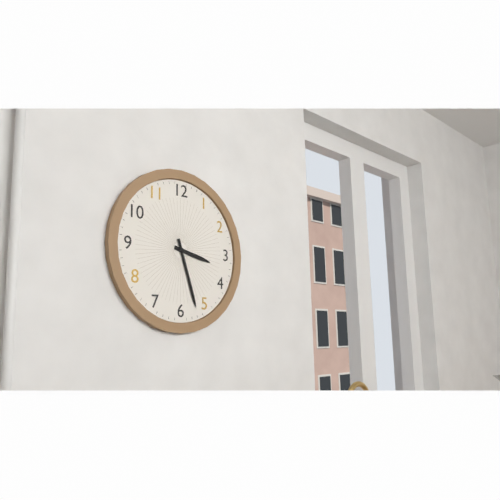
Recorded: h=3 m=27
